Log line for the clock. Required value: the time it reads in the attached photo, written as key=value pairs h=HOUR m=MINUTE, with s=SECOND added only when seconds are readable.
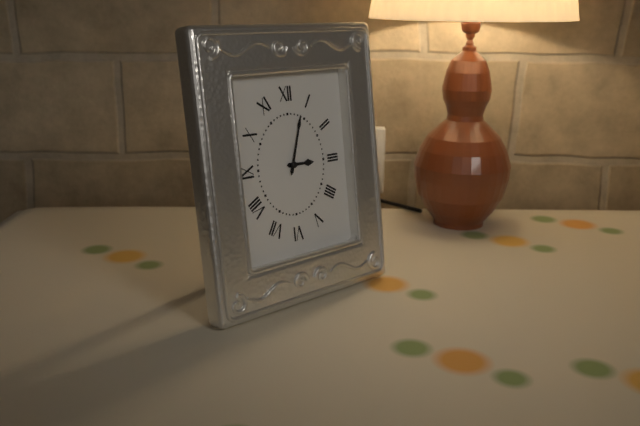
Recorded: h=3 m=3
